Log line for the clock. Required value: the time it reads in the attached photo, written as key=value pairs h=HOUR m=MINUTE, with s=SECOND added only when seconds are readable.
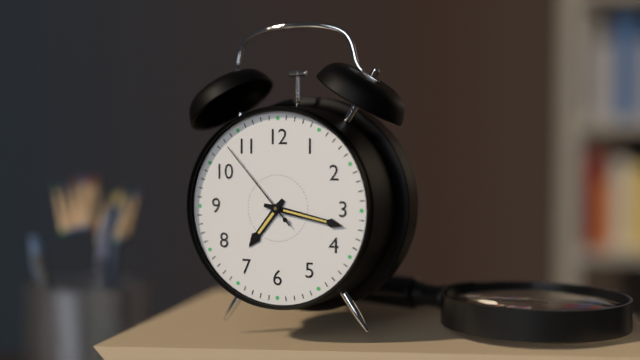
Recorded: h=7 m=17 s=53
